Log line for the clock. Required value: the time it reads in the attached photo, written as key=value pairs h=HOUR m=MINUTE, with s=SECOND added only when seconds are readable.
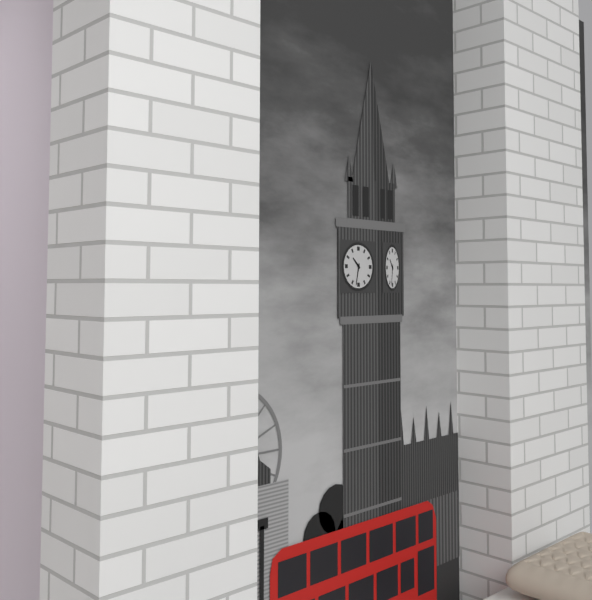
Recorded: h=10 m=32
